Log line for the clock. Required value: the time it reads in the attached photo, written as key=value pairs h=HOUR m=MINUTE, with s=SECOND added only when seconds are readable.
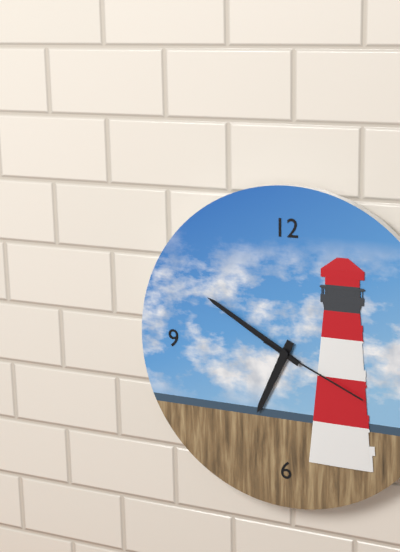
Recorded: h=6 m=50 s=19
